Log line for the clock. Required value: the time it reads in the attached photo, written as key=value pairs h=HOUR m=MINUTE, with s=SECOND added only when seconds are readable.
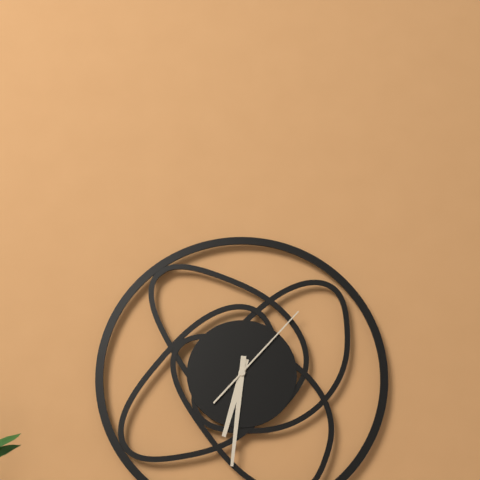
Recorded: h=6 m=31 s=7
